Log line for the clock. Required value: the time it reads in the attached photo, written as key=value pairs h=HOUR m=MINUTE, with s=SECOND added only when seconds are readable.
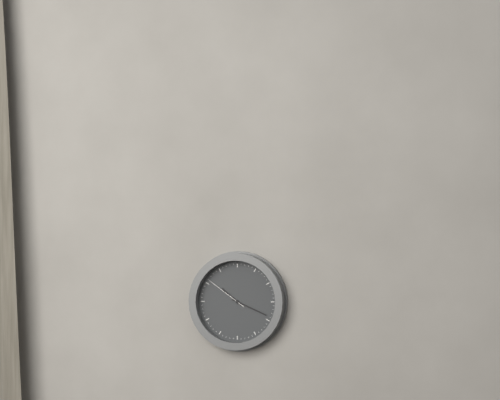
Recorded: h=10 m=19
